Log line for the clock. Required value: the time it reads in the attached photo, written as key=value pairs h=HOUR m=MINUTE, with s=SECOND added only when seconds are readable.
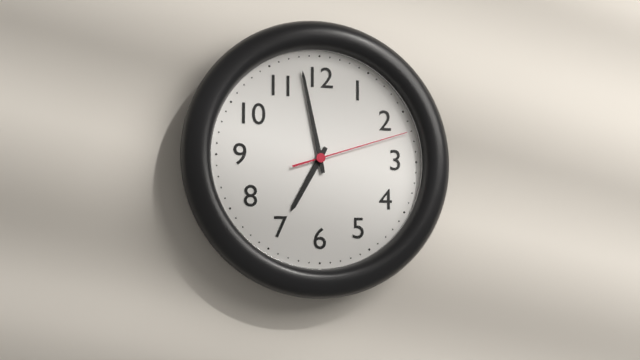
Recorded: h=6 m=58 s=12
